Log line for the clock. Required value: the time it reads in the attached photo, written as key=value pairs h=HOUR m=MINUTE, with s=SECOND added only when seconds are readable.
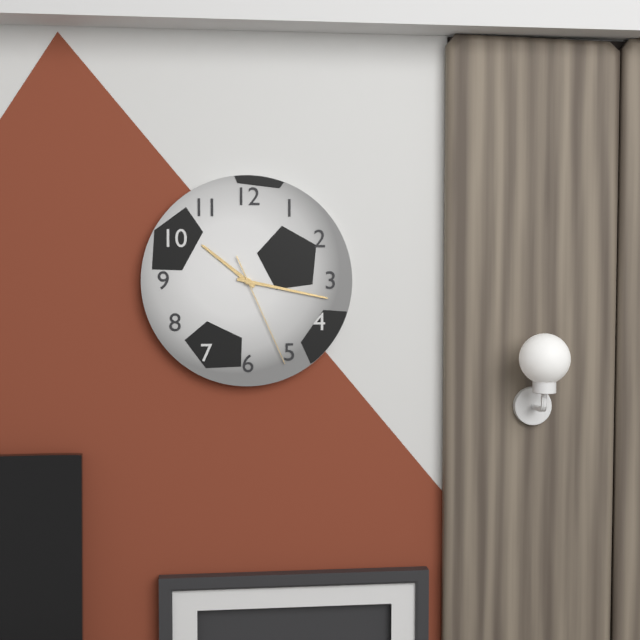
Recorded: h=10 m=17 s=26
